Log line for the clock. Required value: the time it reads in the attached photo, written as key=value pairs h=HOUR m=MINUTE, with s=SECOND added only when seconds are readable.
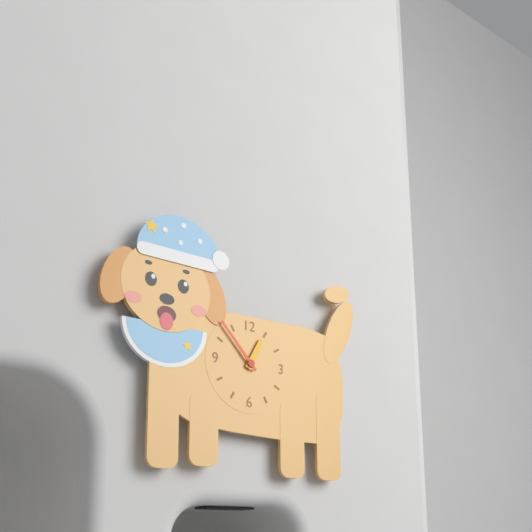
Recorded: h=12 m=53
